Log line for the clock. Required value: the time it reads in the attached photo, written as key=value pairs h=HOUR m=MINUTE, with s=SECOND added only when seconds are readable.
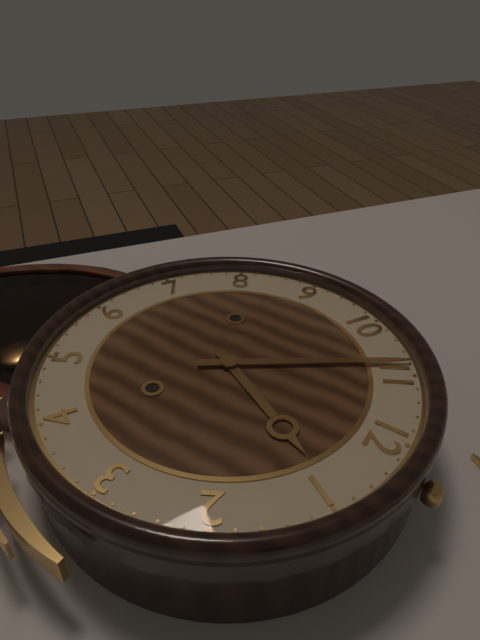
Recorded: h=12 m=54
